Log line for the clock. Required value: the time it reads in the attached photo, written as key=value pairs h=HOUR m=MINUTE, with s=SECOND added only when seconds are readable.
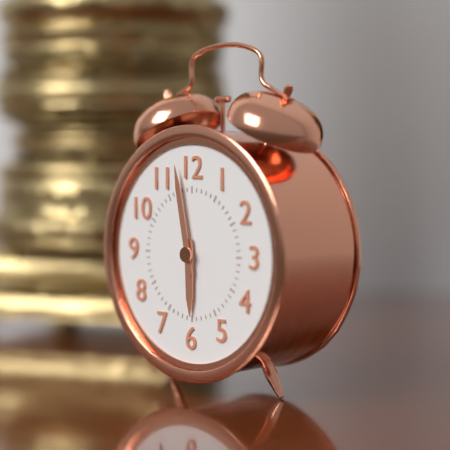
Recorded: h=5 m=58
